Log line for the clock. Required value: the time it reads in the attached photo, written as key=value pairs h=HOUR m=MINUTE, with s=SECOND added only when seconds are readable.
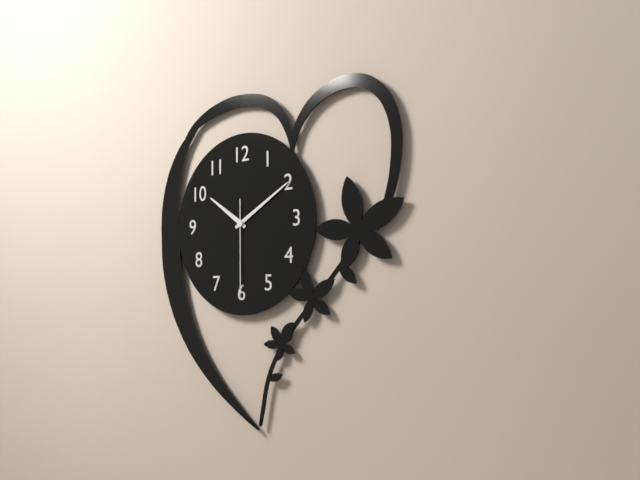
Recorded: h=10 m=10 s=30
